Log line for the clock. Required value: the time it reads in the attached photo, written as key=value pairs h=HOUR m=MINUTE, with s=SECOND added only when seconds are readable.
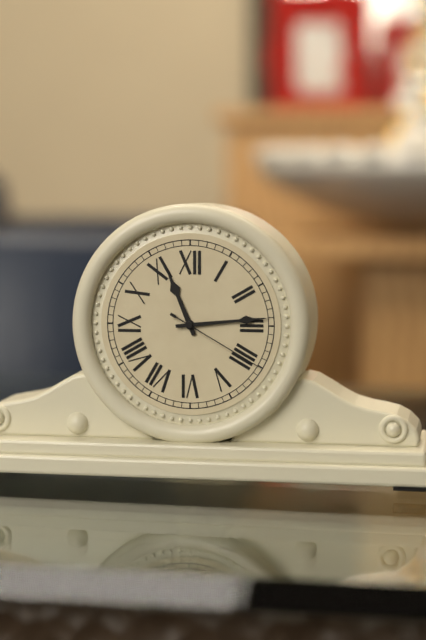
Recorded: h=11 m=14 s=20
